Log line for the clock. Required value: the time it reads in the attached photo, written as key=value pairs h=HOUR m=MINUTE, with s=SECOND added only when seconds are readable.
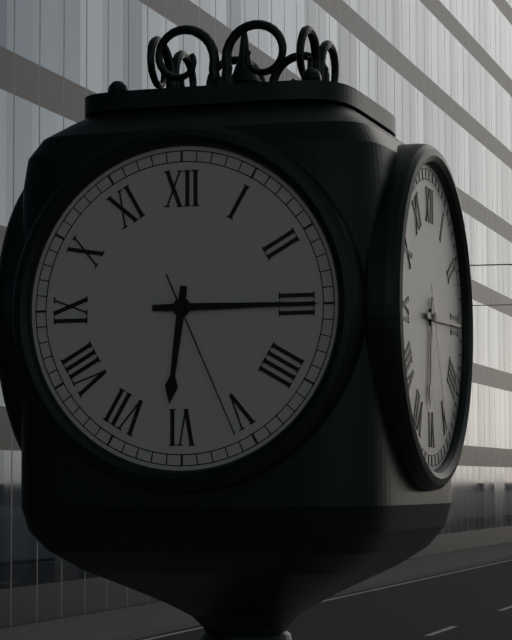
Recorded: h=6 m=15 s=26
